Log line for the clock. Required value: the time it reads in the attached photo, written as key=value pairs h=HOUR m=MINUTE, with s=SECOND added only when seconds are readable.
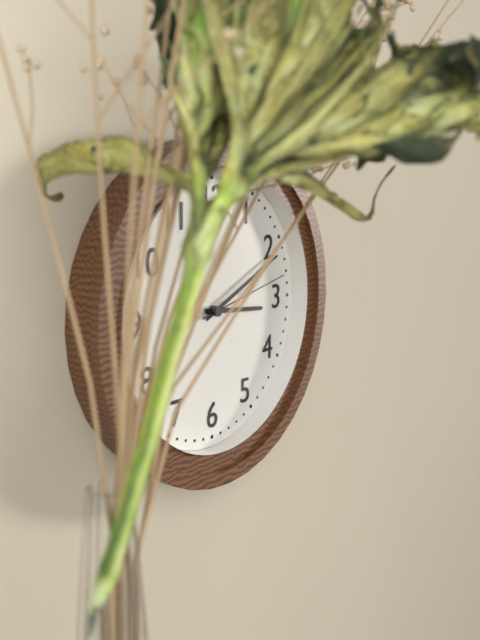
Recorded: h=3 m=11 s=13
